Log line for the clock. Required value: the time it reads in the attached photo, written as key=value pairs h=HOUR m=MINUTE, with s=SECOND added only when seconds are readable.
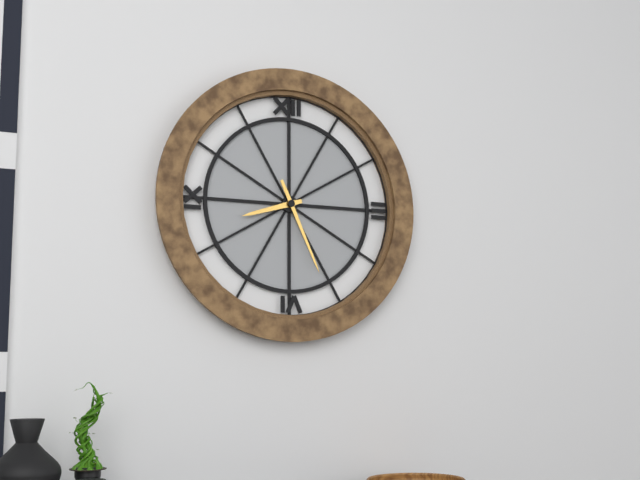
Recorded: h=8 m=26
